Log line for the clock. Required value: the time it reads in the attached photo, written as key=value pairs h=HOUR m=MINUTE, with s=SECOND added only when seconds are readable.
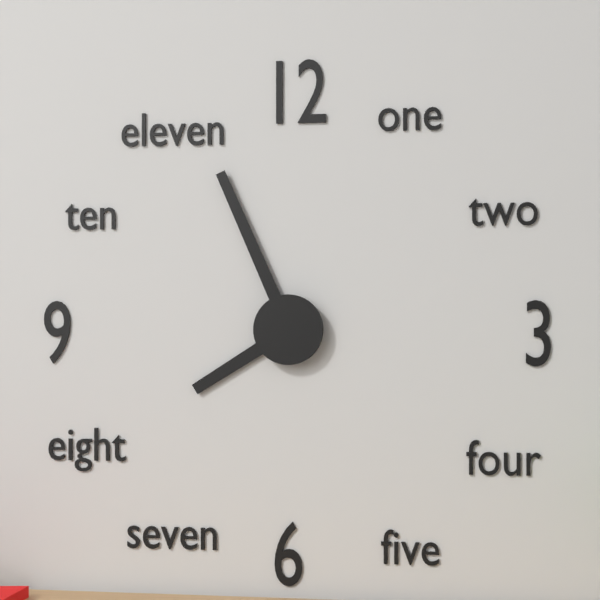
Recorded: h=7 m=56
